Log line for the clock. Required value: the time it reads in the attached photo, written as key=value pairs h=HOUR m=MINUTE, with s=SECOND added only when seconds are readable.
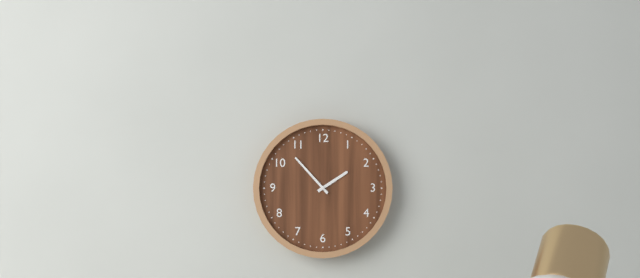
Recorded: h=1 m=53
